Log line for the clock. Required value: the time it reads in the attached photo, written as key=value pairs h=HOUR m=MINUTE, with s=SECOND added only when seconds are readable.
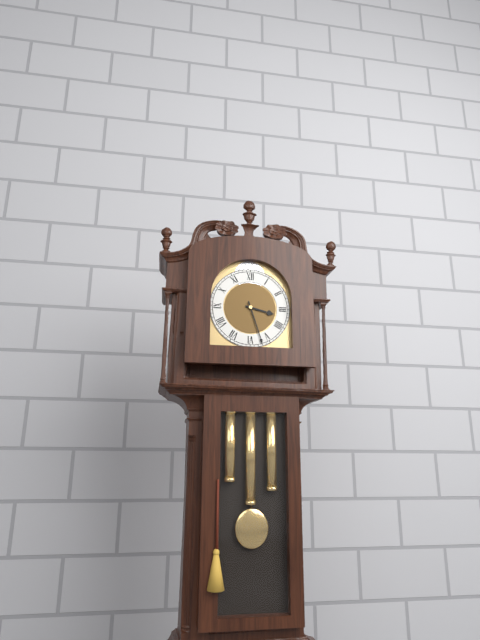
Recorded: h=3 m=27
